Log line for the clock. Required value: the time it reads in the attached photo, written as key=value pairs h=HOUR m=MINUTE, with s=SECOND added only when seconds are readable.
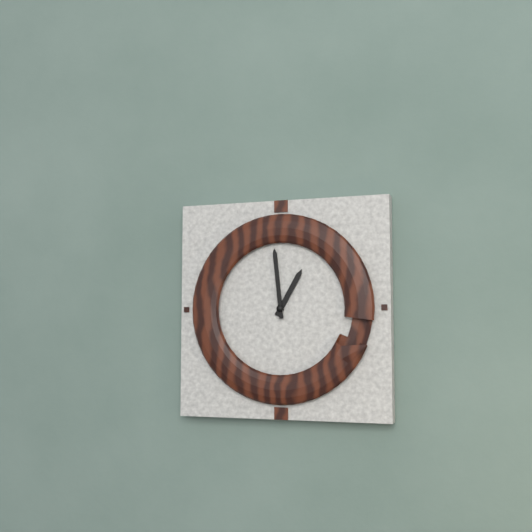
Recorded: h=12 m=59
